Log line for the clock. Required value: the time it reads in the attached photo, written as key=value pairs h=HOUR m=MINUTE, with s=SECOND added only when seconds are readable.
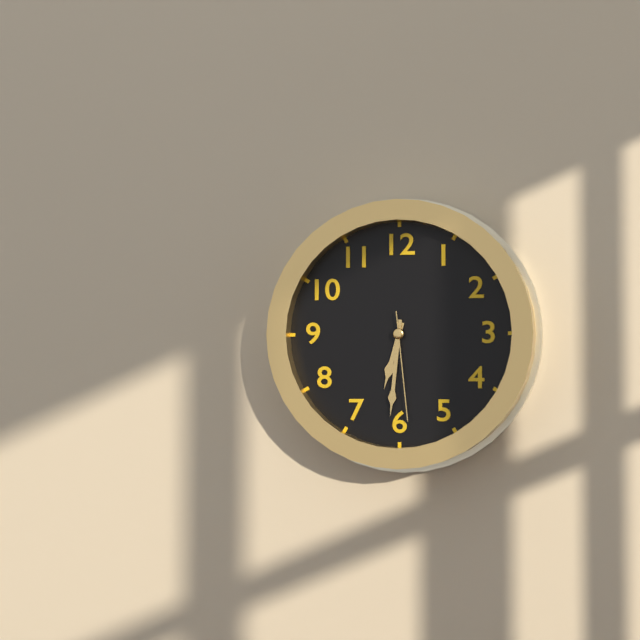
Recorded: h=6 m=31 s=29
